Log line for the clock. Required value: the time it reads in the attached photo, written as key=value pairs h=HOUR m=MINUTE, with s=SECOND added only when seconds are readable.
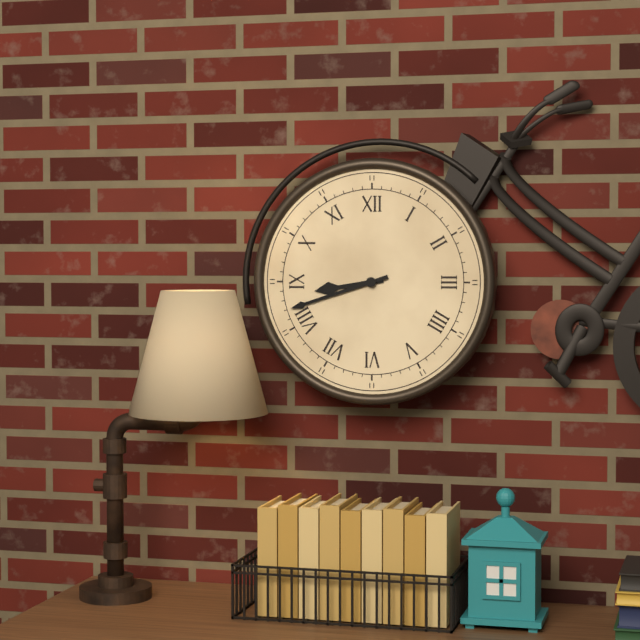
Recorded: h=8 m=42
